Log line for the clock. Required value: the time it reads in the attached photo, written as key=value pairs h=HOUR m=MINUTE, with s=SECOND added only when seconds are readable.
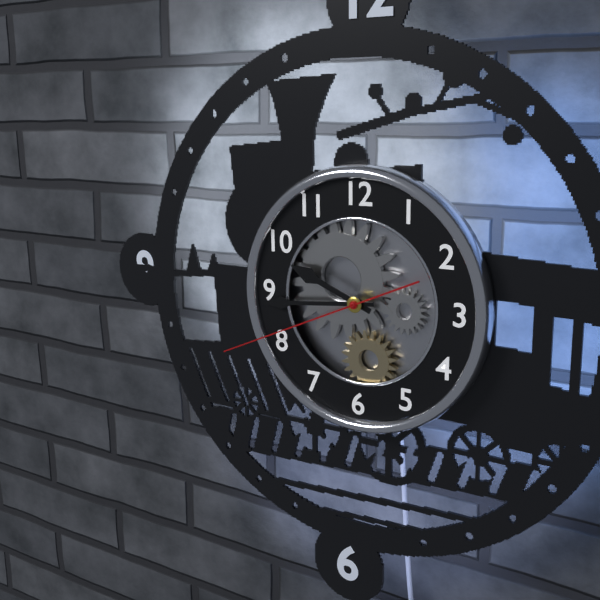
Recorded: h=9 m=44 s=41
